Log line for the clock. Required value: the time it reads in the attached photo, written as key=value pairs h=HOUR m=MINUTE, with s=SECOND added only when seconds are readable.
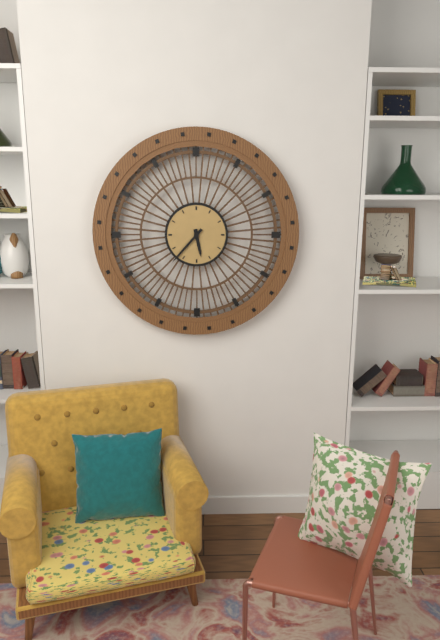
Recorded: h=5 m=37
